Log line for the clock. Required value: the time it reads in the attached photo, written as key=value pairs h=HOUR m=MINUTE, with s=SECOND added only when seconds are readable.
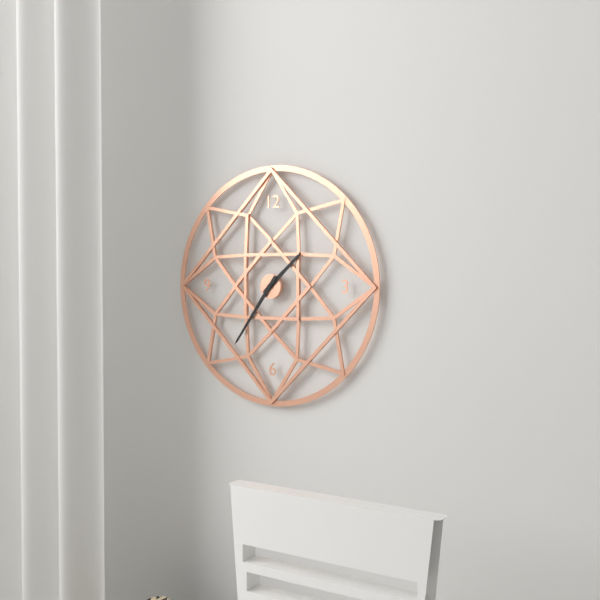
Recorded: h=1 m=36
